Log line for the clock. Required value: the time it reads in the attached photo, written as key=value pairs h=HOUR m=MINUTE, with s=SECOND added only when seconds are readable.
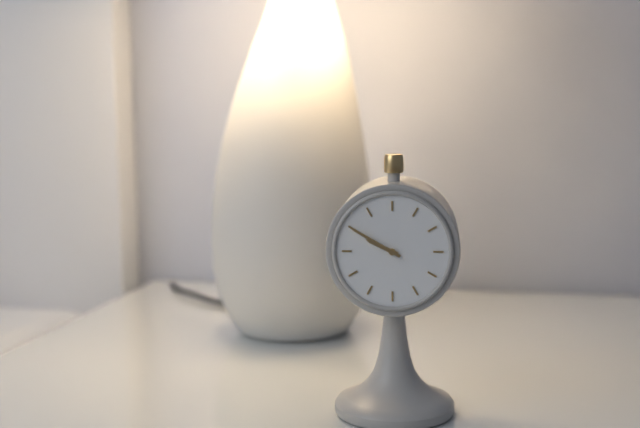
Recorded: h=9 m=50
